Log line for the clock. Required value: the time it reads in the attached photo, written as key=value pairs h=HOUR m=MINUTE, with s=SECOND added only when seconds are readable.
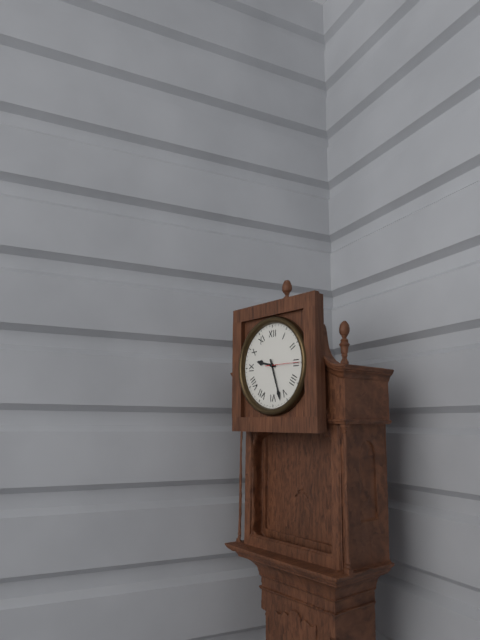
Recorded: h=9 m=27
